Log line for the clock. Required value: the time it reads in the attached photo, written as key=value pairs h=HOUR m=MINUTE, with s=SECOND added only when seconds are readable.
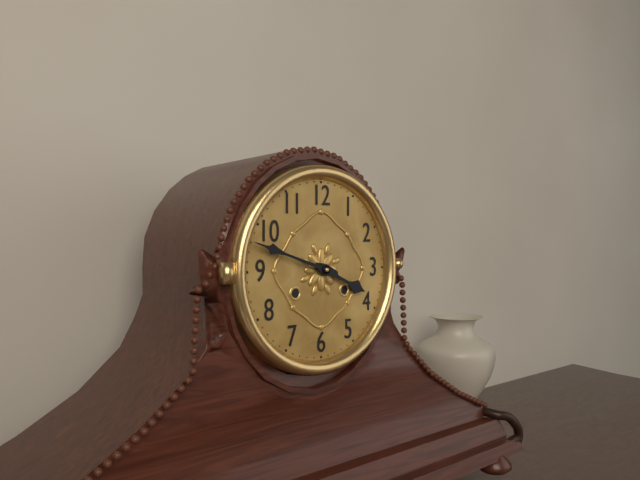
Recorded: h=3 m=48
